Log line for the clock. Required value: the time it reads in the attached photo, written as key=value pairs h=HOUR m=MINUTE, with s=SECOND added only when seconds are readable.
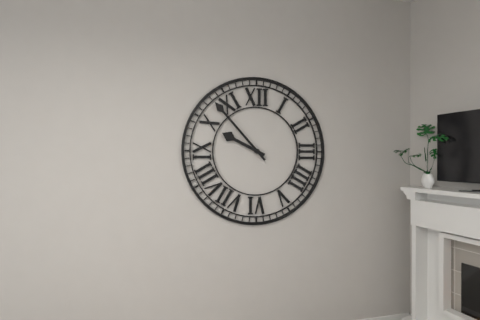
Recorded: h=9 m=53
